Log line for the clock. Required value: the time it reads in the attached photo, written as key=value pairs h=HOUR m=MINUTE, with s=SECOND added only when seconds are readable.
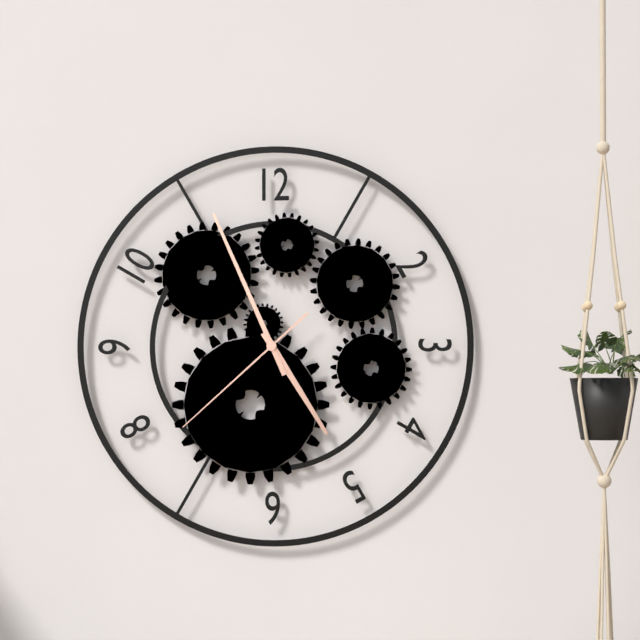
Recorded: h=4 m=56 s=38
